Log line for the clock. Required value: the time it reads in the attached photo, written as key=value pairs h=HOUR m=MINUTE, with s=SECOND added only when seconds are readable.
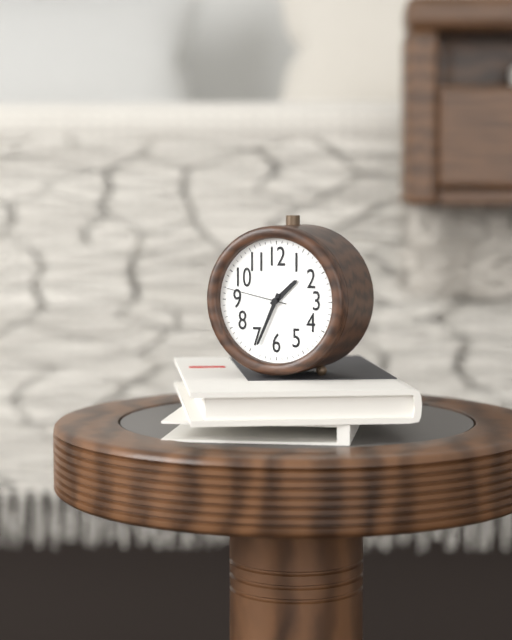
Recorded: h=1 m=34 s=47
